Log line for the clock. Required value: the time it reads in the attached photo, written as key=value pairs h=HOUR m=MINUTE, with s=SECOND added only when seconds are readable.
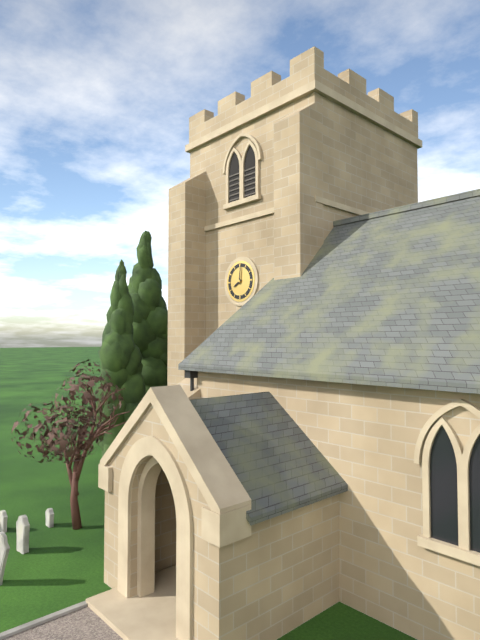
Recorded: h=8 m=1
